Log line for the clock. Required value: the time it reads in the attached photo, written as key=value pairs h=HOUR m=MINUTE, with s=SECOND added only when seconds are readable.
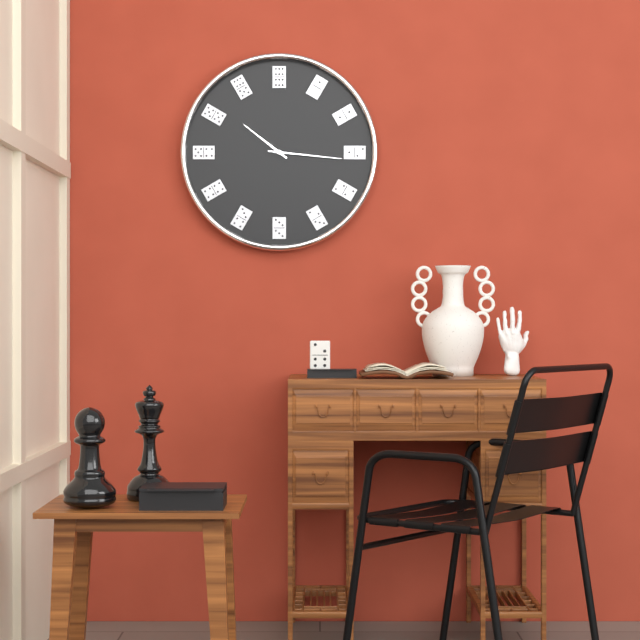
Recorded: h=10 m=16
